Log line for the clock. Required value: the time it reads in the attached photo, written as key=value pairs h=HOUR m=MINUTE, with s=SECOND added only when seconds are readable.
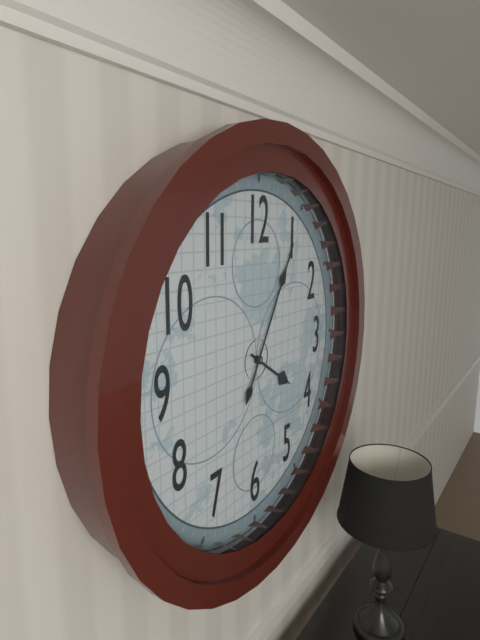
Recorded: h=4 m=5
